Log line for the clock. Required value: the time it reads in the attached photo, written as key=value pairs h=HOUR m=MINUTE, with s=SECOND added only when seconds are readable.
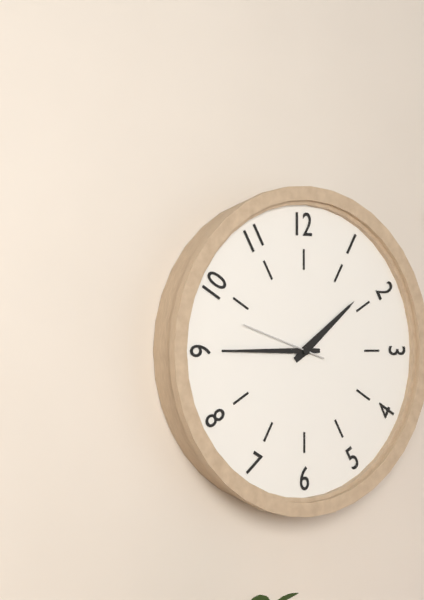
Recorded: h=1 m=45 s=48
